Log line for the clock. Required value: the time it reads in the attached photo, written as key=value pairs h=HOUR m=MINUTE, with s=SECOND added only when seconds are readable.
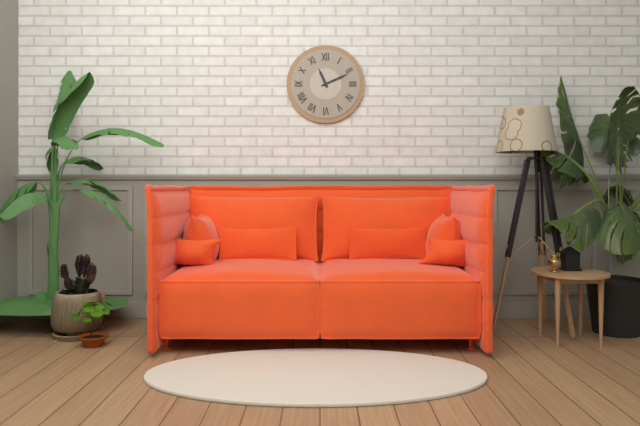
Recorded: h=11 m=11
